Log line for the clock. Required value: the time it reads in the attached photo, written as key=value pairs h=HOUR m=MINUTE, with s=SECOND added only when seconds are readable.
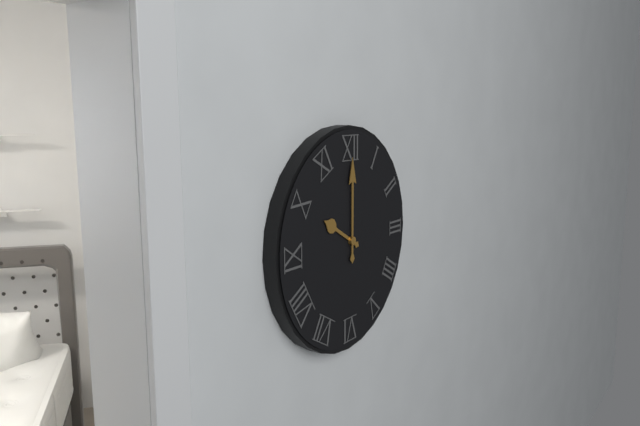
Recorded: h=10 m=0
